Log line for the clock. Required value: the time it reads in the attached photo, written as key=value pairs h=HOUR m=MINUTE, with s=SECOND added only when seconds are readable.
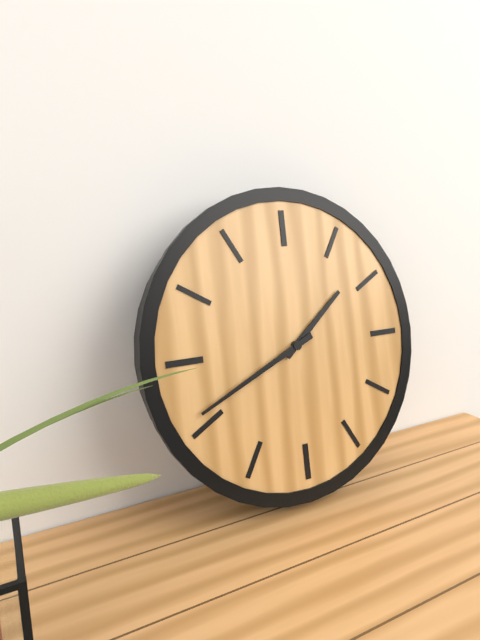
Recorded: h=1 m=41
